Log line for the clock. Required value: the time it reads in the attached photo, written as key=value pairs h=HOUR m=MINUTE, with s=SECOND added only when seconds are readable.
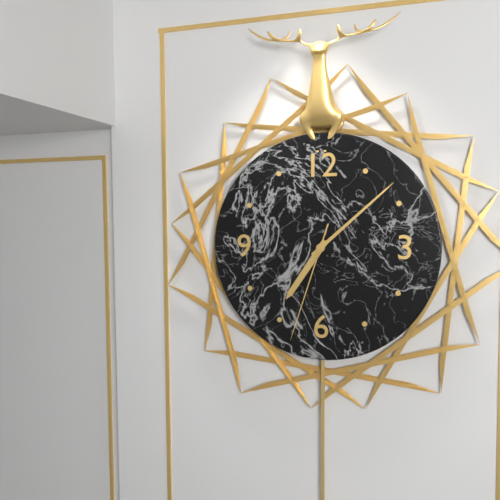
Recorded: h=7 m=8 s=33
